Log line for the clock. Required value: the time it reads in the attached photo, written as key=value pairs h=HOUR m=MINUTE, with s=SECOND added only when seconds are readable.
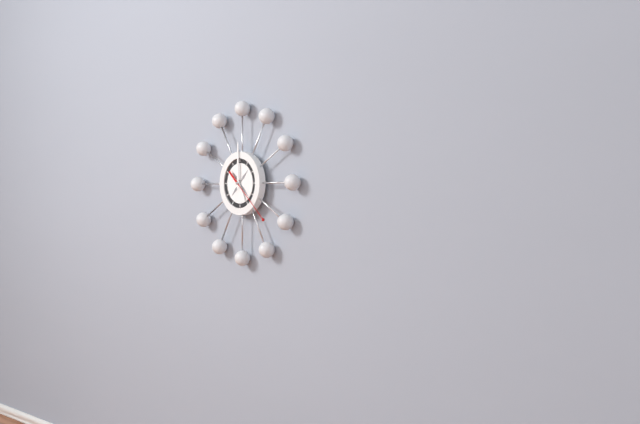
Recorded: h=5 m=0 s=22
